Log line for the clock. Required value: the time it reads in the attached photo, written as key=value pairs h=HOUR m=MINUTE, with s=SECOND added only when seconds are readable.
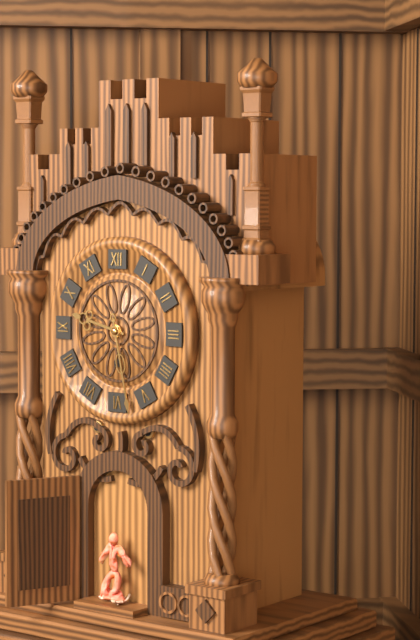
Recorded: h=9 m=28
